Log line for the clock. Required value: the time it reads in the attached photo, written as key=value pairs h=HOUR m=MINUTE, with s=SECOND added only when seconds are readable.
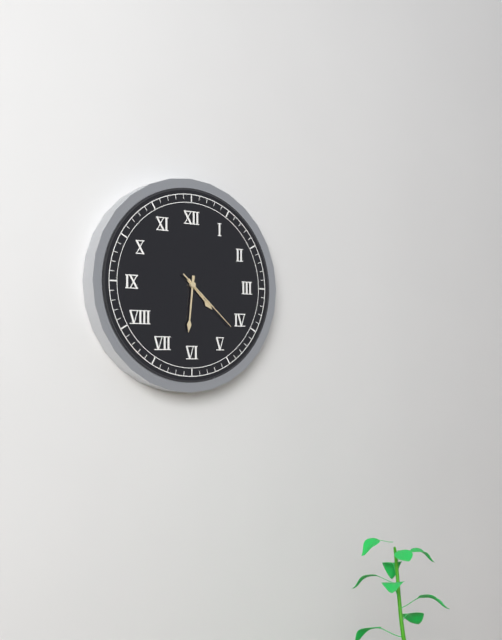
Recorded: h=4 m=31 s=22
